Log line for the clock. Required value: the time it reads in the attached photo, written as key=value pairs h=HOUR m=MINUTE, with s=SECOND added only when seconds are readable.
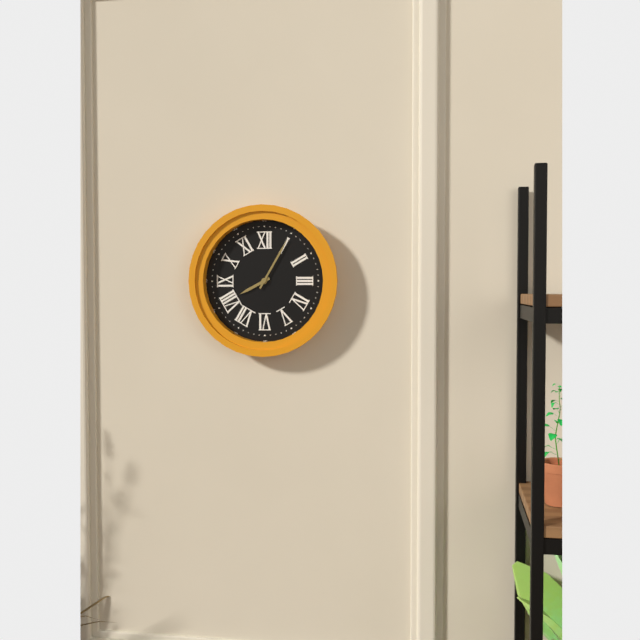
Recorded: h=8 m=5
